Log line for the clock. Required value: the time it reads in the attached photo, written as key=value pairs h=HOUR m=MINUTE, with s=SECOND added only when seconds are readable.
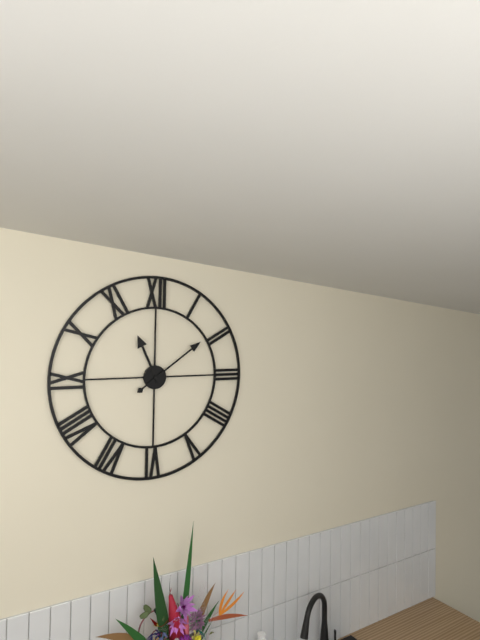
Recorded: h=11 m=9
